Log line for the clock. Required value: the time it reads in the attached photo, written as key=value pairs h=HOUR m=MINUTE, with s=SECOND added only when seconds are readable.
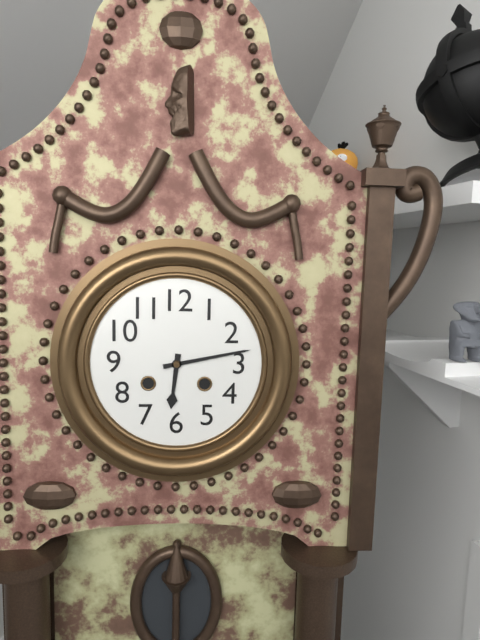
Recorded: h=6 m=13
